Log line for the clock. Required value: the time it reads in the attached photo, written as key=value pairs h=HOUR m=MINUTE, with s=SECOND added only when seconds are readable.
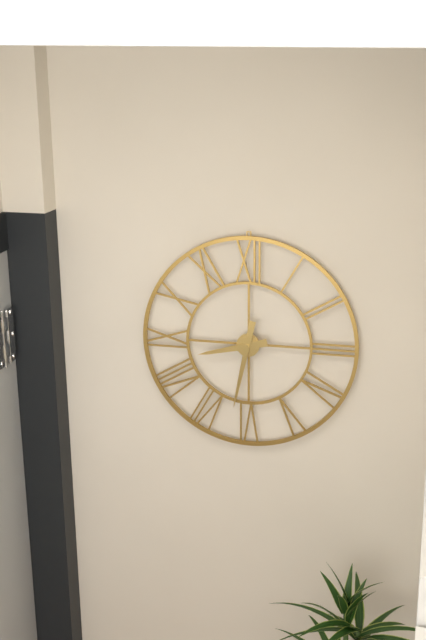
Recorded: h=8 m=32
